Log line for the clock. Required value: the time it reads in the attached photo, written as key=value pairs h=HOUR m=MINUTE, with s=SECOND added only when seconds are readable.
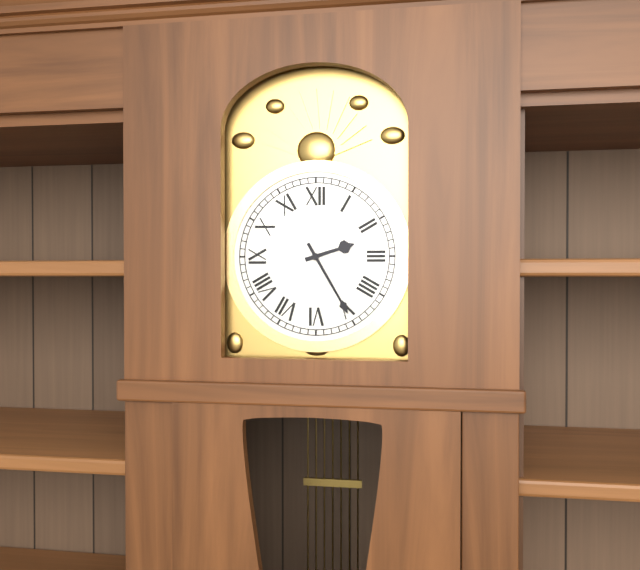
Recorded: h=2 m=25
